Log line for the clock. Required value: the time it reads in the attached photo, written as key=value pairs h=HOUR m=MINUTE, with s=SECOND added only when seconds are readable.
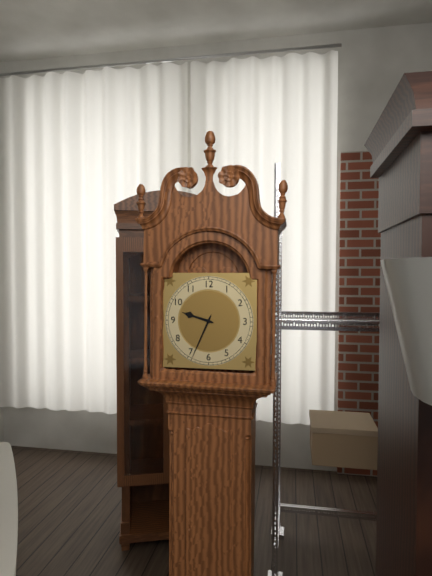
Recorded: h=9 m=34
